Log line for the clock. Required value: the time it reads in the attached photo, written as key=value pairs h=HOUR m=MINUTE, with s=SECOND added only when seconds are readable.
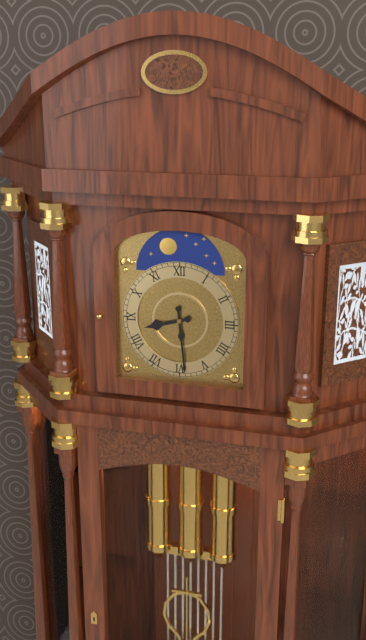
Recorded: h=8 m=29
